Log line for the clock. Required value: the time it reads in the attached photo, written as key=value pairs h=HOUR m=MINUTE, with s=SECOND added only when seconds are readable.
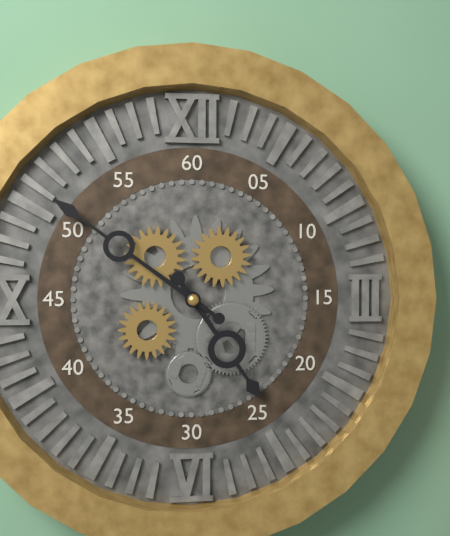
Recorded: h=4 m=51
